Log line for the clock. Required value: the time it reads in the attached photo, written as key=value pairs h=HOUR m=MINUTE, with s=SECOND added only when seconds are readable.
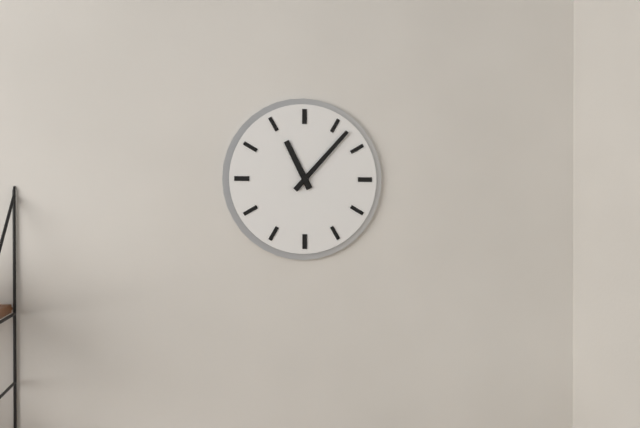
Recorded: h=11 m=7
